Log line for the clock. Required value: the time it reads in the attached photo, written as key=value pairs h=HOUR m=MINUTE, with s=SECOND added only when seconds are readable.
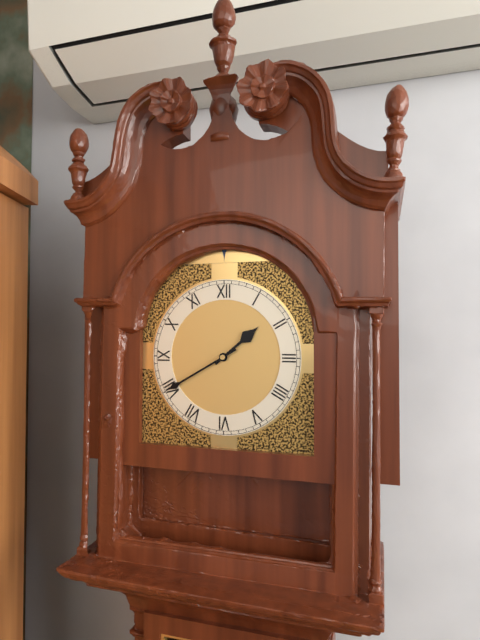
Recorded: h=1 m=40
